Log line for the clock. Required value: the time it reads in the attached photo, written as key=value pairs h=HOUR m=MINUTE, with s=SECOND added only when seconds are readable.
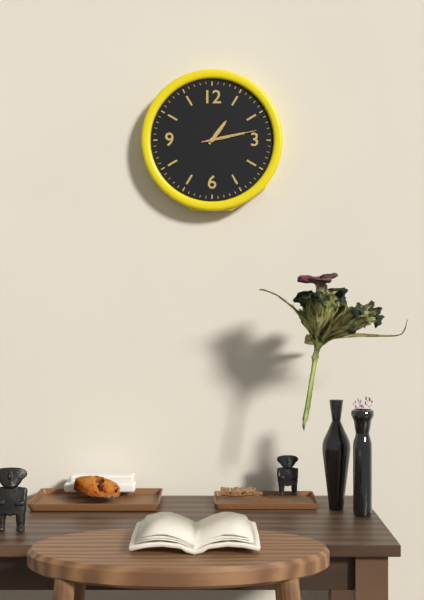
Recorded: h=1 m=13 s=13
